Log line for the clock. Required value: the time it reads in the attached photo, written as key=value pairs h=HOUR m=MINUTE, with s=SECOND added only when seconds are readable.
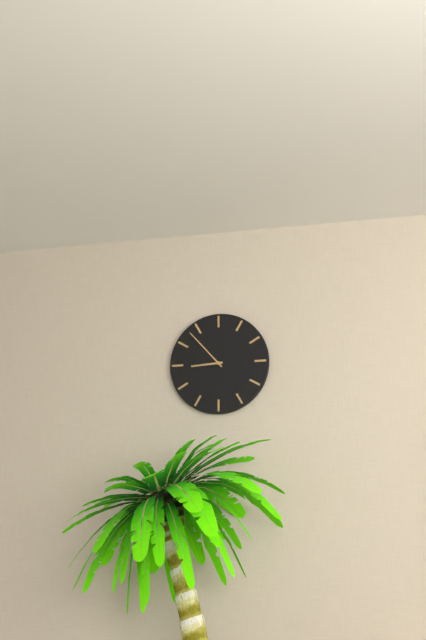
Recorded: h=8 m=53
